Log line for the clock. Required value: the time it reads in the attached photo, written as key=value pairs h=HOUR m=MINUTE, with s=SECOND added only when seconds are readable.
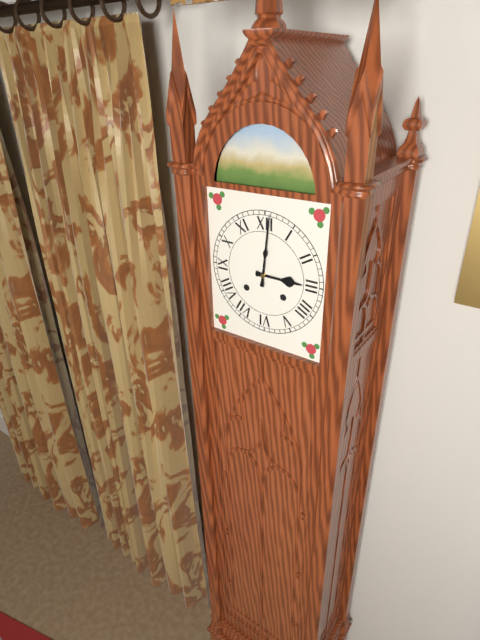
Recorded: h=3 m=1
